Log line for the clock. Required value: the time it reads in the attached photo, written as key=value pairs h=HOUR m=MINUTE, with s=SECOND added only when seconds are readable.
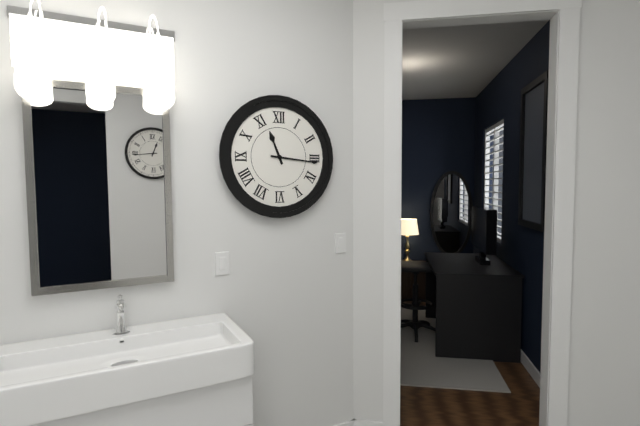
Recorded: h=11 m=16
